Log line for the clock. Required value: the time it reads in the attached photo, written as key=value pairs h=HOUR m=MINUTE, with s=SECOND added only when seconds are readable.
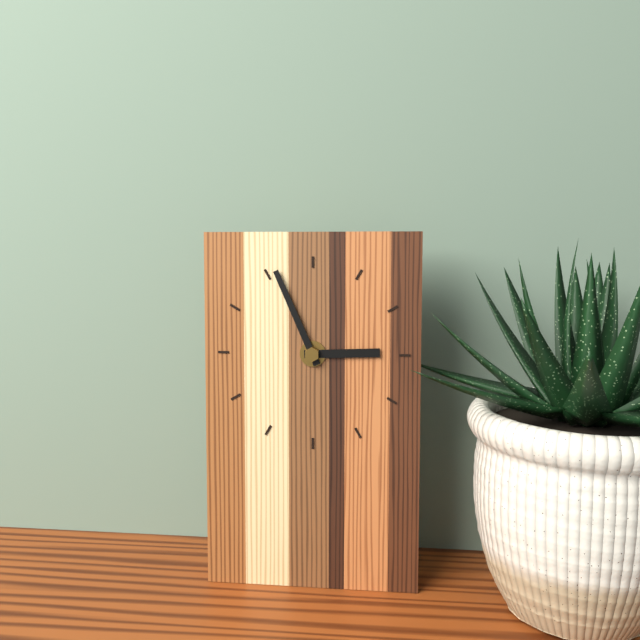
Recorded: h=2 m=56
